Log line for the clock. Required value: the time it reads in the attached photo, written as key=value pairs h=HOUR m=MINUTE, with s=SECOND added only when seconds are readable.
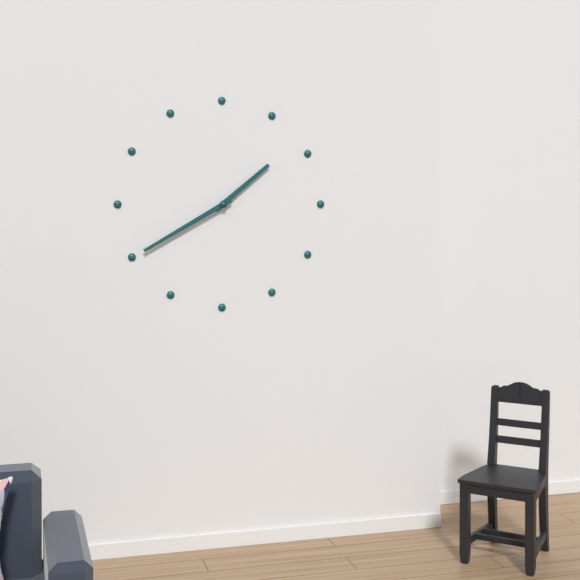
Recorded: h=1 m=40
